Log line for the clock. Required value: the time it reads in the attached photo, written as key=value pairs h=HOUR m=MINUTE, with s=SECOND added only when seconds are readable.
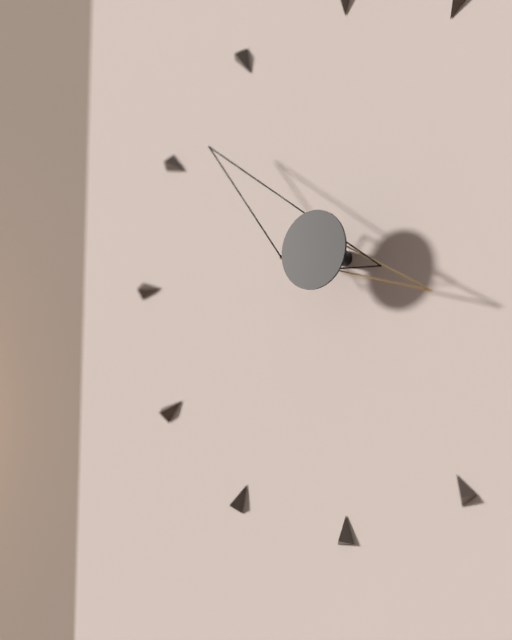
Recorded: h=3 m=52
